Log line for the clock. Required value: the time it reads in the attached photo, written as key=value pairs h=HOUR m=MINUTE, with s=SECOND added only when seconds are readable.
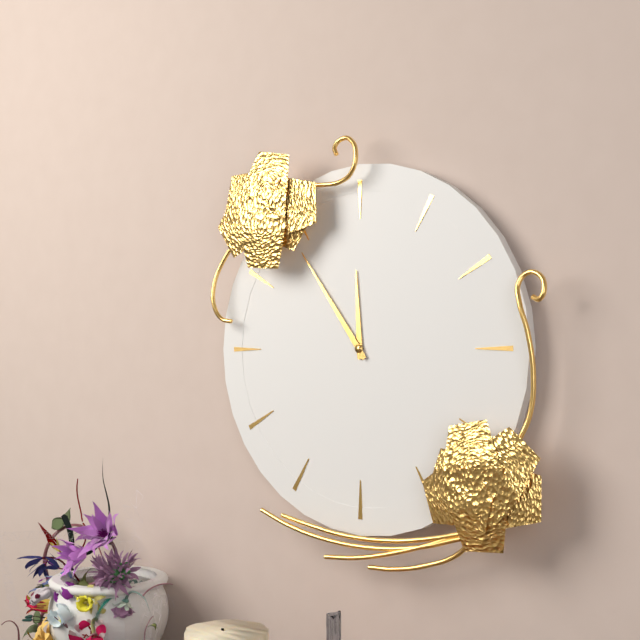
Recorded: h=11 m=54
